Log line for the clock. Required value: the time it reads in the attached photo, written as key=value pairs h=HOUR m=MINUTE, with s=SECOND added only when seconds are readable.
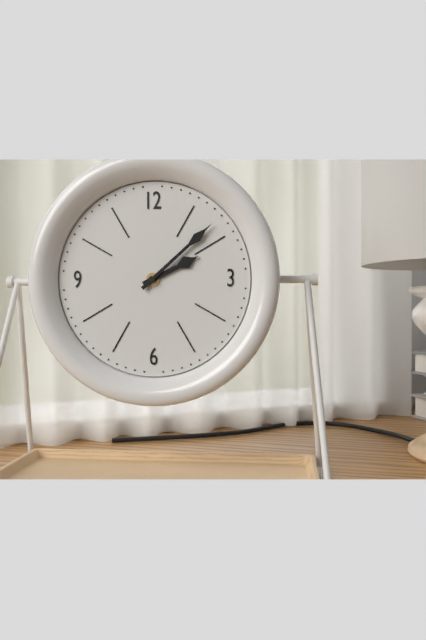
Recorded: h=2 m=8
